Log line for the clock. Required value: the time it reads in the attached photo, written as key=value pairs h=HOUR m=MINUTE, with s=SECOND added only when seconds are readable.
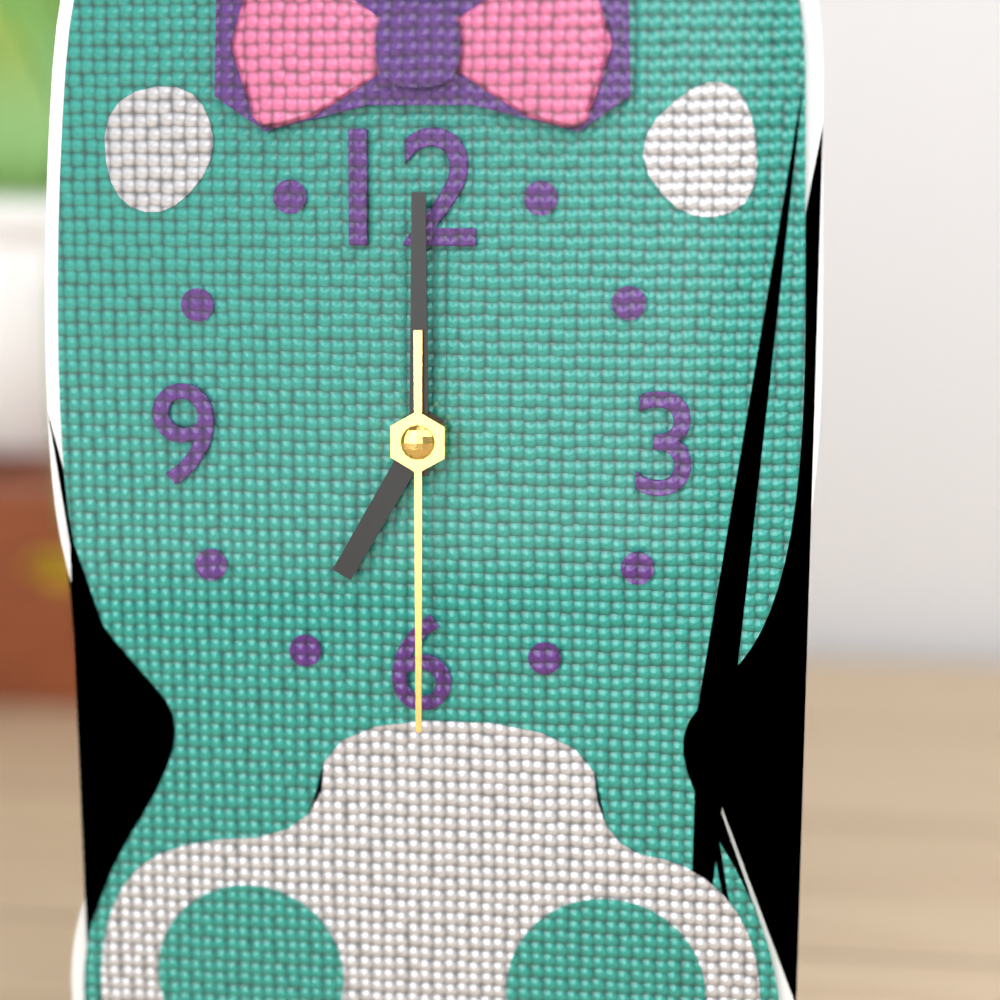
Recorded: h=7 m=0 s=30
